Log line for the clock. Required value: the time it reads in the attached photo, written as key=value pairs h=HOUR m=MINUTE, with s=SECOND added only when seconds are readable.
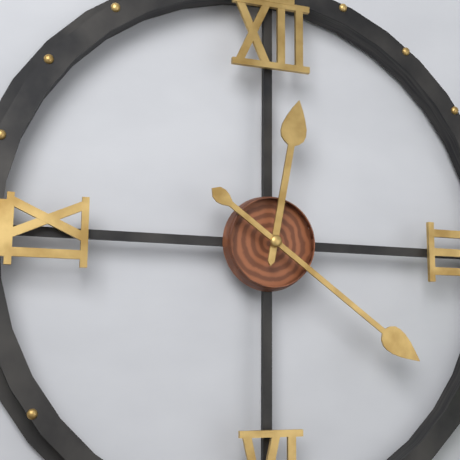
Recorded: h=12 m=21
